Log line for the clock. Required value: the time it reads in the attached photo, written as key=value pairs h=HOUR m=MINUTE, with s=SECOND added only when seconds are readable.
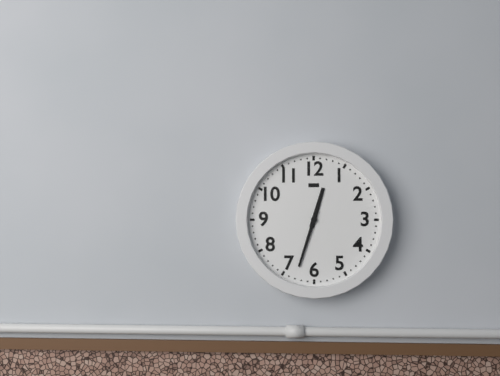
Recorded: h=12 m=33
